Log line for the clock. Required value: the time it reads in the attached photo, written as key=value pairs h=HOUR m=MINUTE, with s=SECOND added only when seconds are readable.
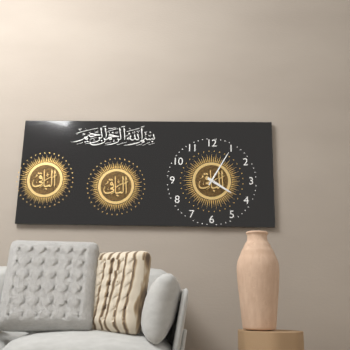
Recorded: h=4 m=5
